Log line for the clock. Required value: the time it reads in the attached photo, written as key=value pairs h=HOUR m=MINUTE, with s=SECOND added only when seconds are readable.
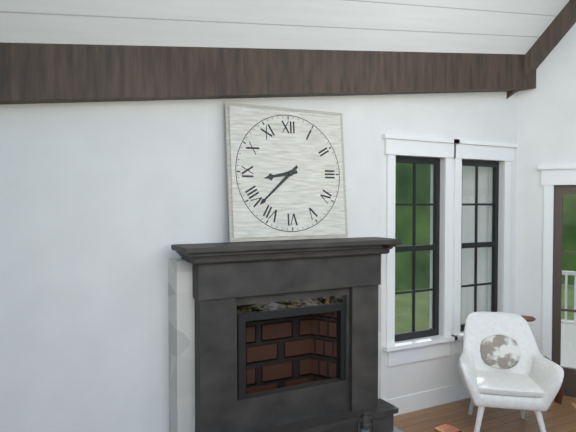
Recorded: h=8 m=38
